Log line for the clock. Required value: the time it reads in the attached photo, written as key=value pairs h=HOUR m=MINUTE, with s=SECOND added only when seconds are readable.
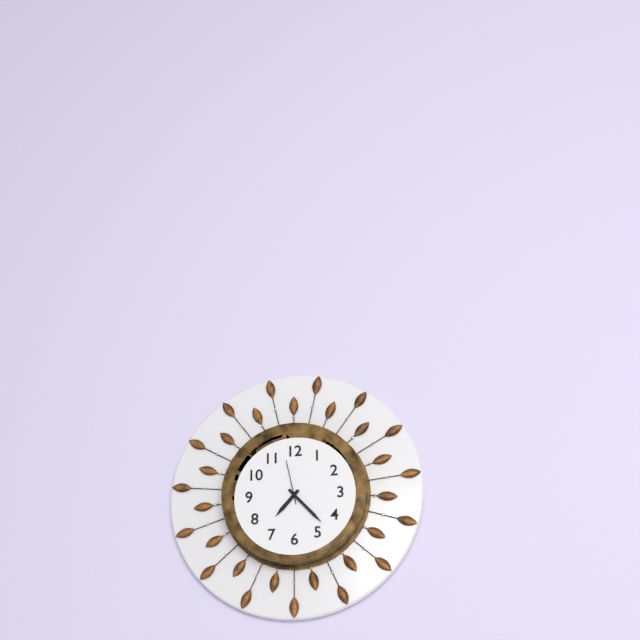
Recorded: h=7 m=23
